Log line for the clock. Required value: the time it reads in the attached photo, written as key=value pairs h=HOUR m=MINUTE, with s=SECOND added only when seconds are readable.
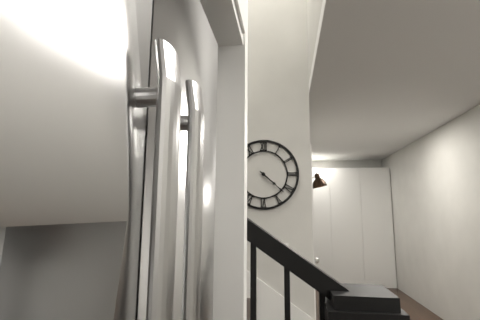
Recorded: h=4 m=22
